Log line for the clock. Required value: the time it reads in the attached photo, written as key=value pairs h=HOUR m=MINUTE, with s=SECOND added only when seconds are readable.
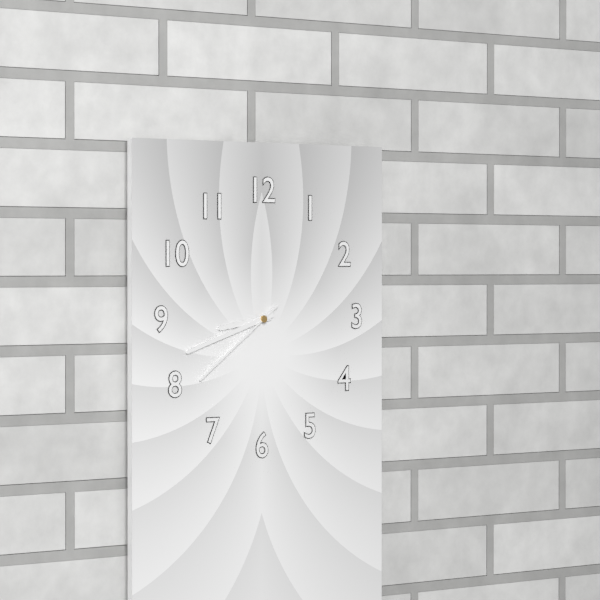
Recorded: h=8 m=42 s=39
